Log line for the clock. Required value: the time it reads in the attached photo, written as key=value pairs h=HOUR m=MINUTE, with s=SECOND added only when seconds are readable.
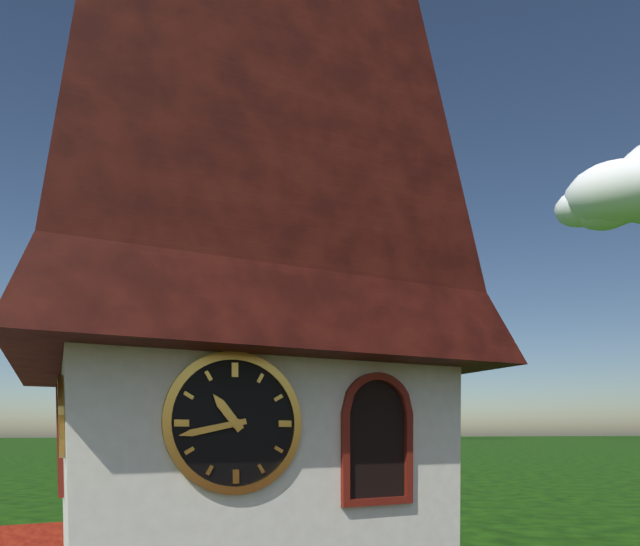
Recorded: h=10 m=43
